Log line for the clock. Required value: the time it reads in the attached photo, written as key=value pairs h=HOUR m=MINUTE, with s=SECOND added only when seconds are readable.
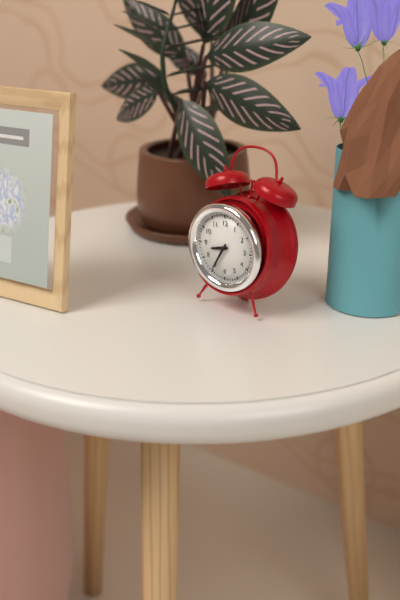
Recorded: h=8 m=35
